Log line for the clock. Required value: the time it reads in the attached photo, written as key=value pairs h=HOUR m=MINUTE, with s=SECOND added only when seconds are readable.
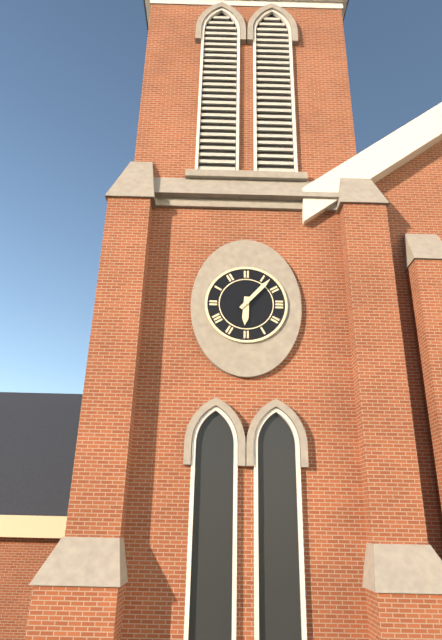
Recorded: h=6 m=7
